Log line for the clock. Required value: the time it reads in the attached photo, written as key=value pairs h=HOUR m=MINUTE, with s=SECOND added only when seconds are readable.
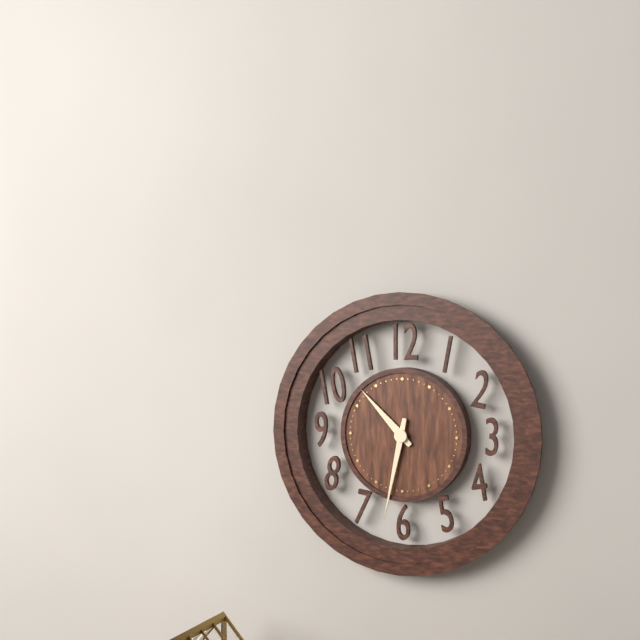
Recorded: h=10 m=32
